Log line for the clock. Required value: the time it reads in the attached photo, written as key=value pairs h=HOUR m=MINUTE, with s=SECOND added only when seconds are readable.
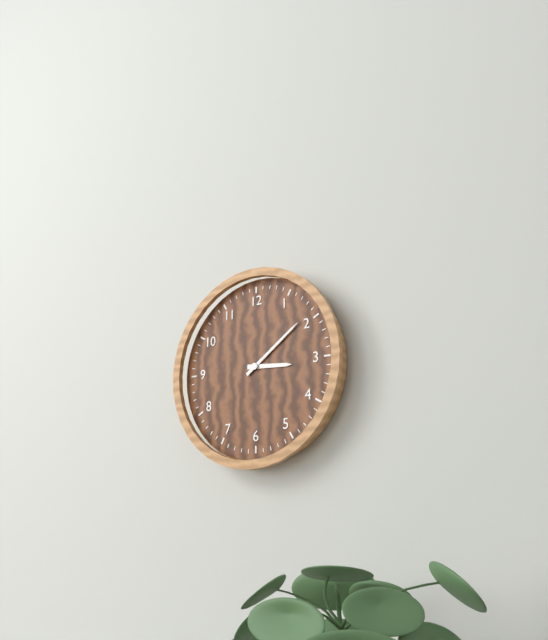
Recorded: h=3 m=9
